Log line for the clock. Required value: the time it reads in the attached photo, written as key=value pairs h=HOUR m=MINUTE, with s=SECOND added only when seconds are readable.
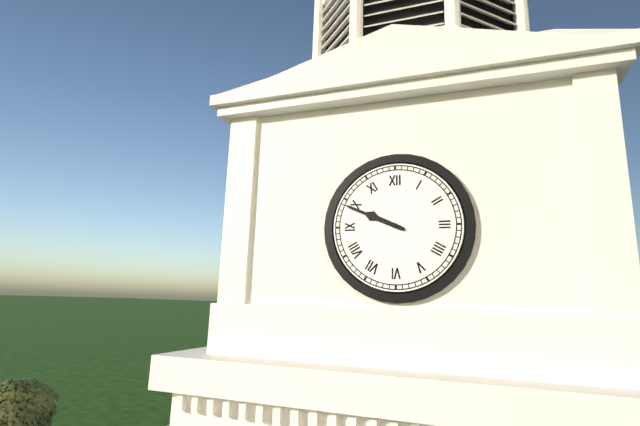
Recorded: h=9 m=49
